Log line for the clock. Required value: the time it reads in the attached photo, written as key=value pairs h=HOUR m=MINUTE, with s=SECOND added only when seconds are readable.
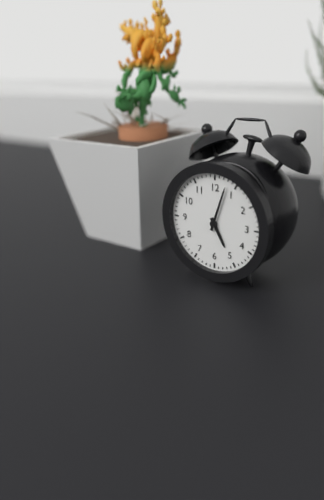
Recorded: h=5 m=3
